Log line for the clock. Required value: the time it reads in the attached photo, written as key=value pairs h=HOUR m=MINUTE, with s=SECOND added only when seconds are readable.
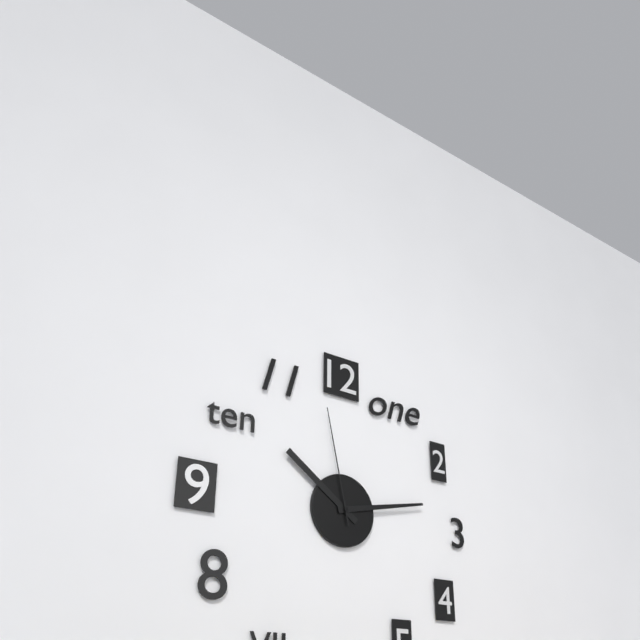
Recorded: h=10 m=13 s=58
